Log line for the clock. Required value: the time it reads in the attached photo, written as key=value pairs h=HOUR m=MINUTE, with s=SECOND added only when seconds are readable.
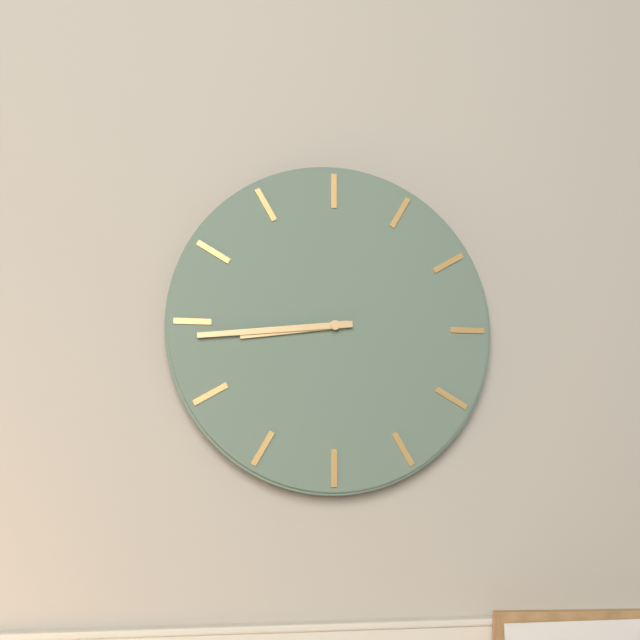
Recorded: h=8 m=44
